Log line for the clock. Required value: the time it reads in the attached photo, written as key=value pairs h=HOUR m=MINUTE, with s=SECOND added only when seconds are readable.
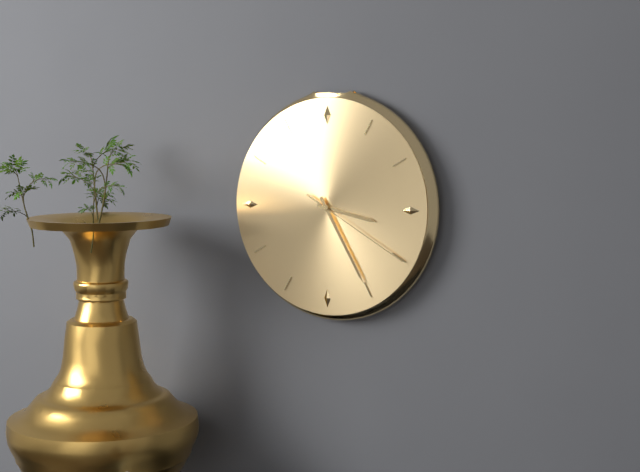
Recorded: h=3 m=25 s=20
